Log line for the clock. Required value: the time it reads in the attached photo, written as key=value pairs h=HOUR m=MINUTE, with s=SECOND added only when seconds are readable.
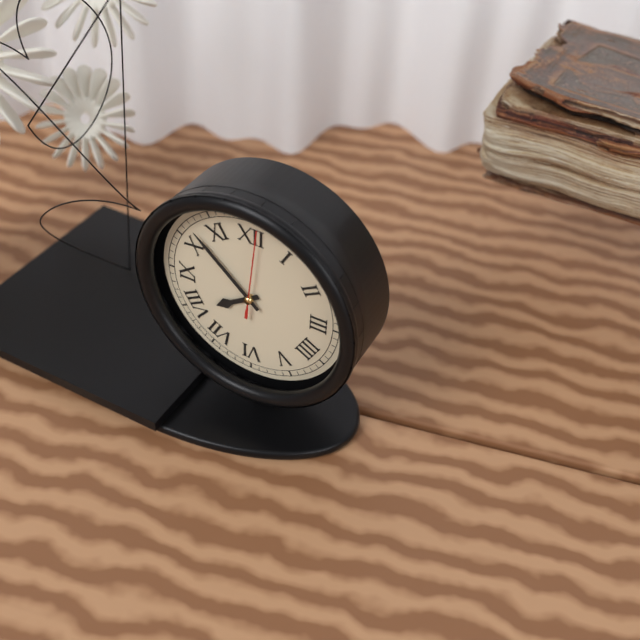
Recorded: h=7 m=52 s=1
